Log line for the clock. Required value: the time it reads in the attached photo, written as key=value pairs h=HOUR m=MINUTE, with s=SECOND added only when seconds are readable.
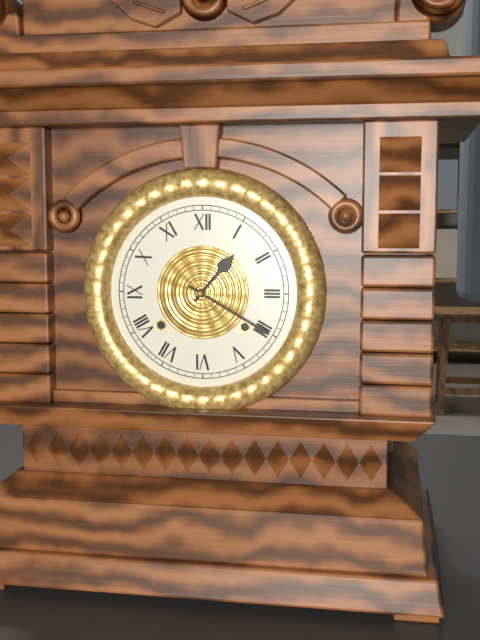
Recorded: h=1 m=20
